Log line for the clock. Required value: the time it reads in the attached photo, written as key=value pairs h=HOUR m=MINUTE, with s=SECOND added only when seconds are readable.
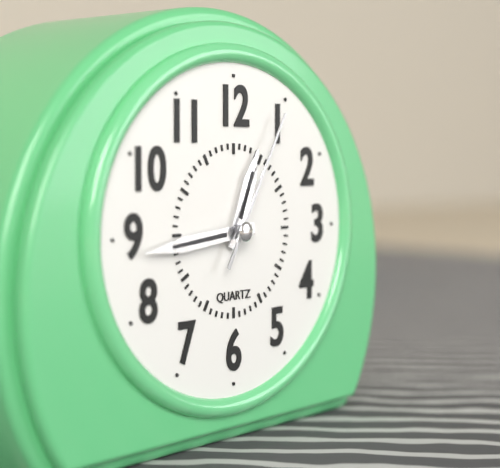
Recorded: h=12 m=44 s=5
